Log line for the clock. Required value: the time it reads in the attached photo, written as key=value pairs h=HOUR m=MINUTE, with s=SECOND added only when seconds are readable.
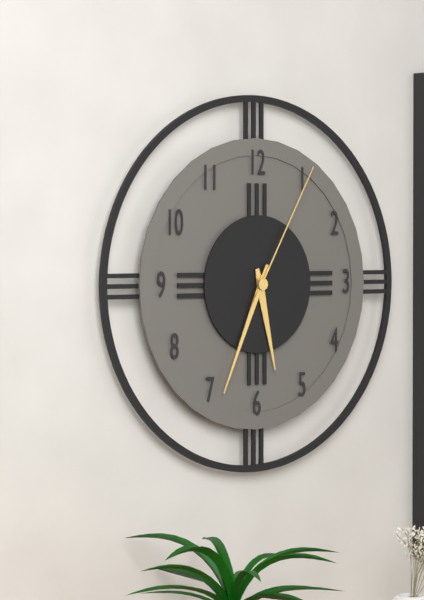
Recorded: h=5 m=34 s=5
